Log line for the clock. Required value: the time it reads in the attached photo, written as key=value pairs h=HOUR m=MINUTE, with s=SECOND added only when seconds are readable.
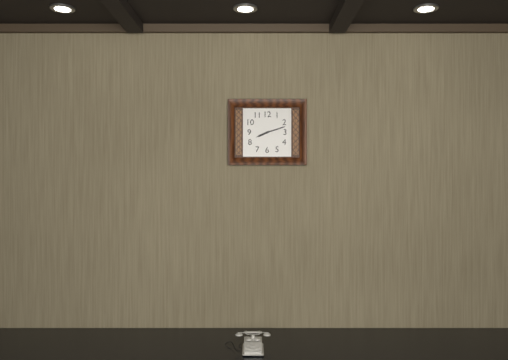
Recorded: h=8 m=12
